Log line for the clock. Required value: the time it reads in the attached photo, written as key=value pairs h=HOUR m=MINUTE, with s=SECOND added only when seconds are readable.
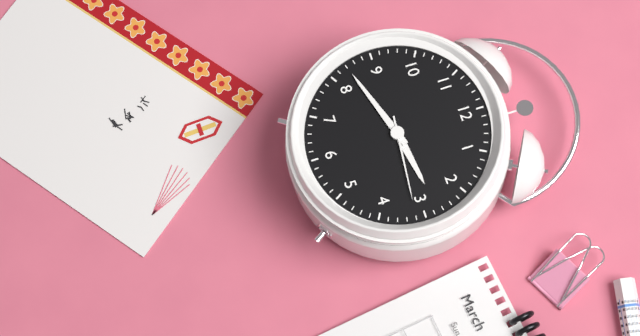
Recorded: h=2 m=42 s=16
